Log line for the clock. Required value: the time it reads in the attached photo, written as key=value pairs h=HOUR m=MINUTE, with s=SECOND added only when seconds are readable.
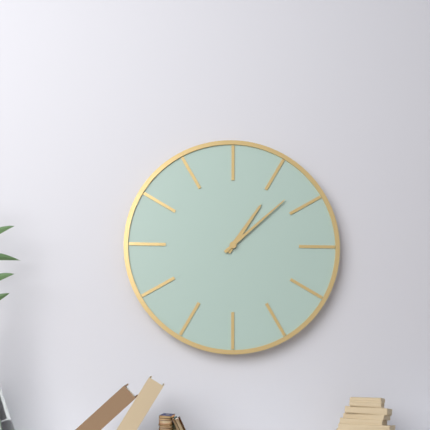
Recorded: h=1 m=8
